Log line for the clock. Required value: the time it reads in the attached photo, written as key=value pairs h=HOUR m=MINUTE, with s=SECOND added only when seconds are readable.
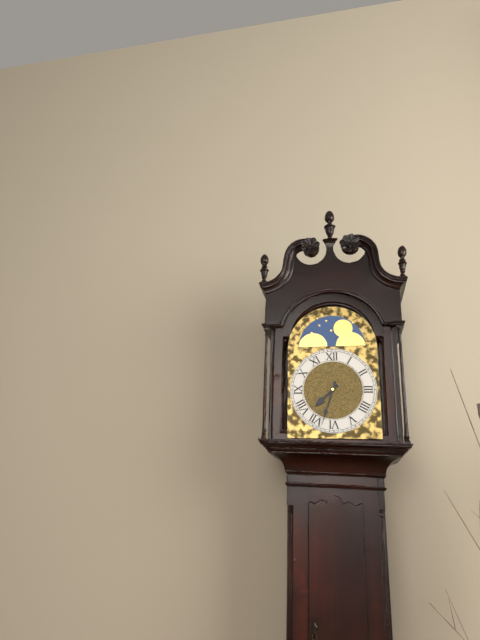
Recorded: h=7 m=33
